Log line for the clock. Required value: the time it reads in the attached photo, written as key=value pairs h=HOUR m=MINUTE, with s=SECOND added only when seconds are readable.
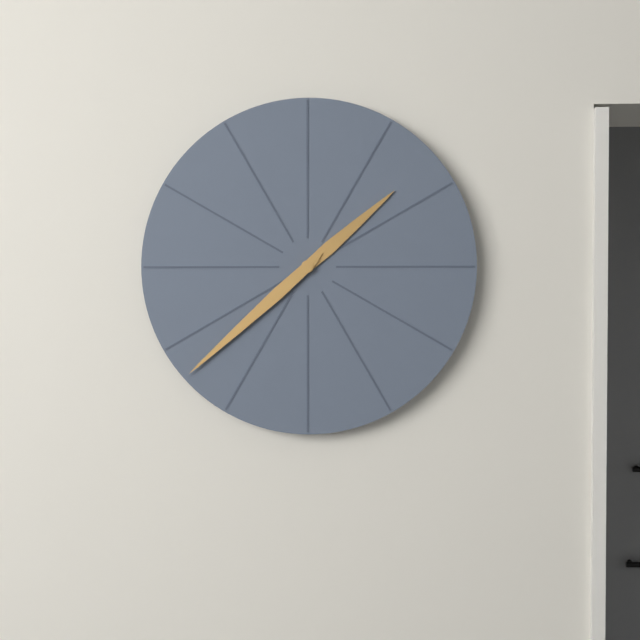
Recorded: h=1 m=38
